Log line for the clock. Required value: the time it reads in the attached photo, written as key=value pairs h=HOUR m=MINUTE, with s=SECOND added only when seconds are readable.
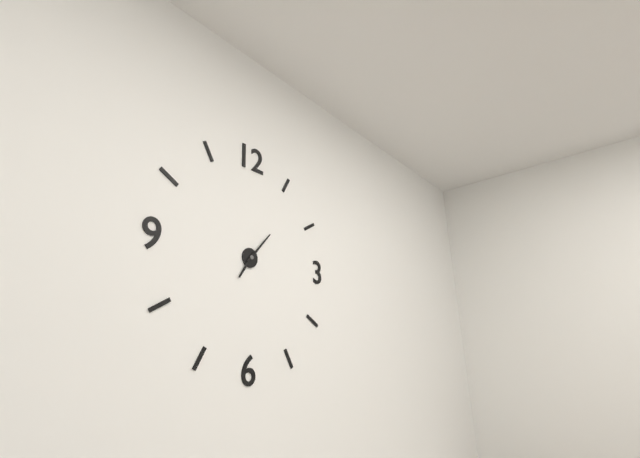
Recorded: h=7 m=7
